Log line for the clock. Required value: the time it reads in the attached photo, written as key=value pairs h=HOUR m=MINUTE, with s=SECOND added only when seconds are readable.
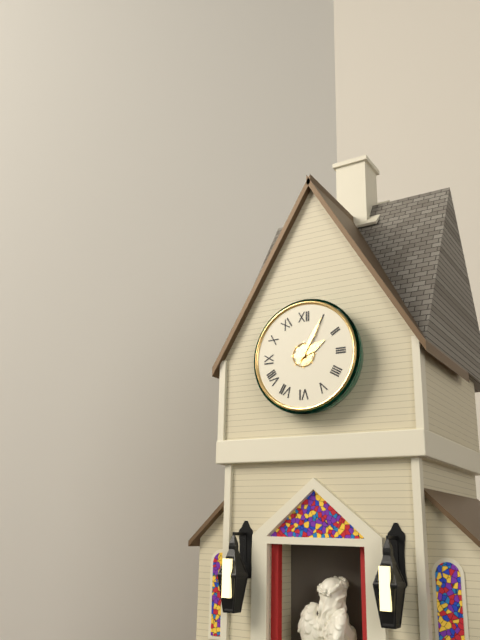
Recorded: h=2 m=5
